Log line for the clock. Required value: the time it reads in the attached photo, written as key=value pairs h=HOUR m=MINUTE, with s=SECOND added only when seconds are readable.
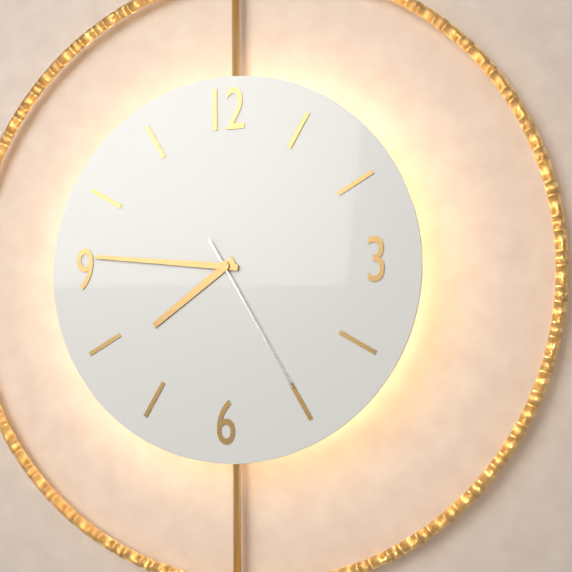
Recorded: h=7 m=46 s=25
